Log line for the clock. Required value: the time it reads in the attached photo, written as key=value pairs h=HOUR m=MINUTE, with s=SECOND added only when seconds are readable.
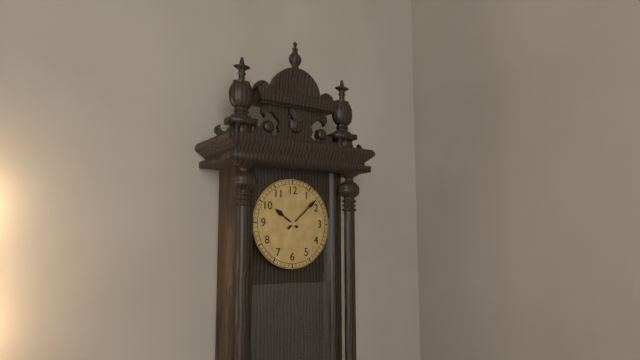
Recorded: h=10 m=8
